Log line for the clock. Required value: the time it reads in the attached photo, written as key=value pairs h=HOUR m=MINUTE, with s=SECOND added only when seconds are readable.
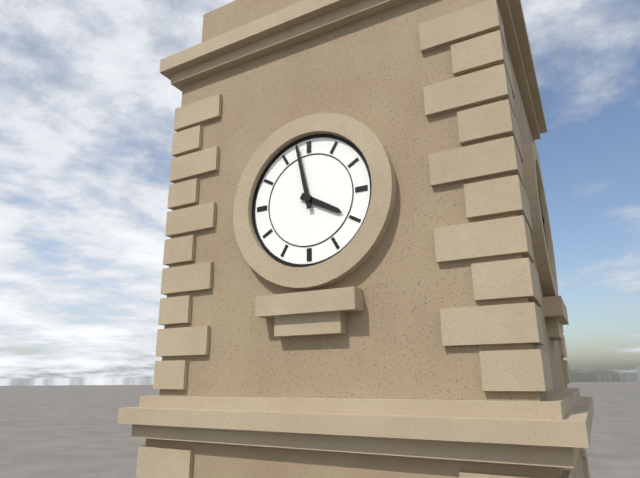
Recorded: h=3 m=58
